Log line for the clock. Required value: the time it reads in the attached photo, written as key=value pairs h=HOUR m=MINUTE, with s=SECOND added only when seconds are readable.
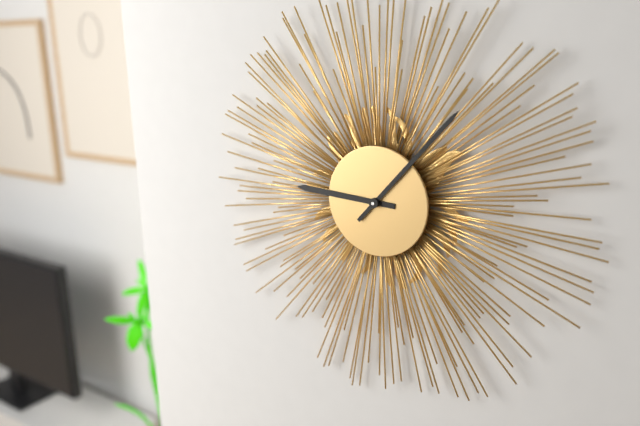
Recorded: h=9 m=7
